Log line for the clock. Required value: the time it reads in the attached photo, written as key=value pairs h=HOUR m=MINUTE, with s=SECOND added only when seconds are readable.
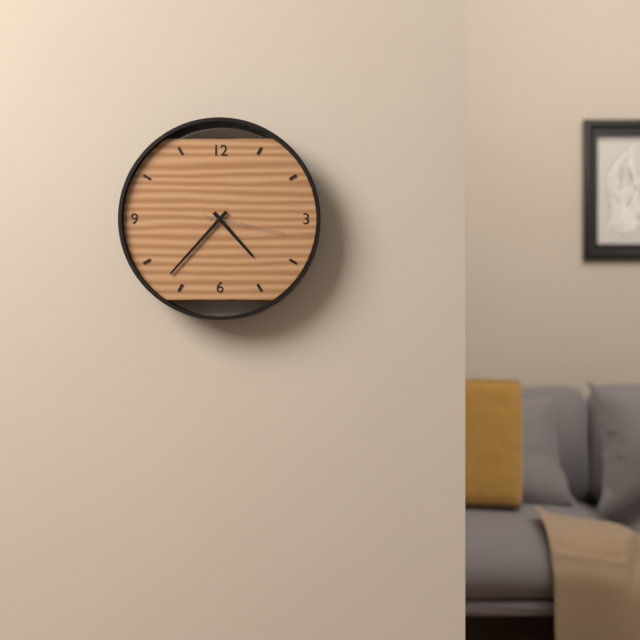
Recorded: h=4 m=37 s=17
